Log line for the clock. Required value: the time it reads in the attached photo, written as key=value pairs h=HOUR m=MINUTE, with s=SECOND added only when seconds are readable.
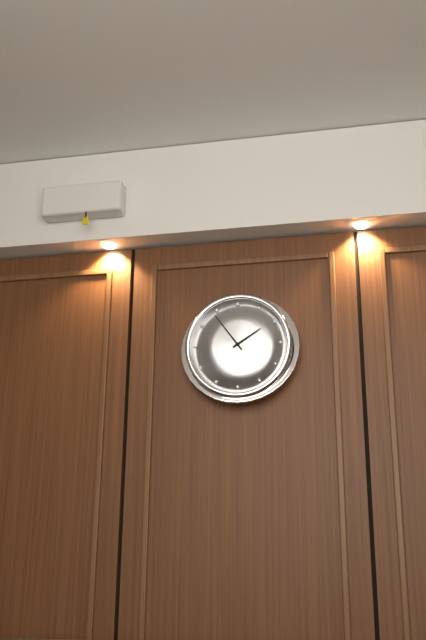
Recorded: h=1 m=54
